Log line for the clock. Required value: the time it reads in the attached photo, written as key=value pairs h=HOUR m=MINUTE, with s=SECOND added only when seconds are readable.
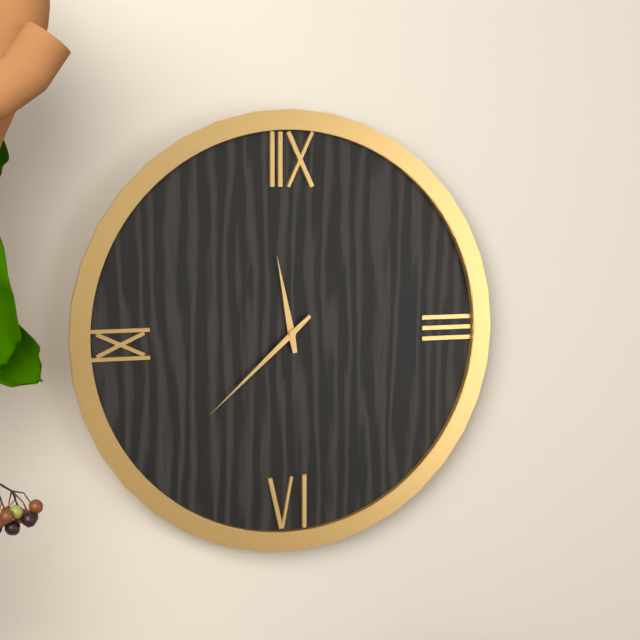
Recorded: h=11 m=38
